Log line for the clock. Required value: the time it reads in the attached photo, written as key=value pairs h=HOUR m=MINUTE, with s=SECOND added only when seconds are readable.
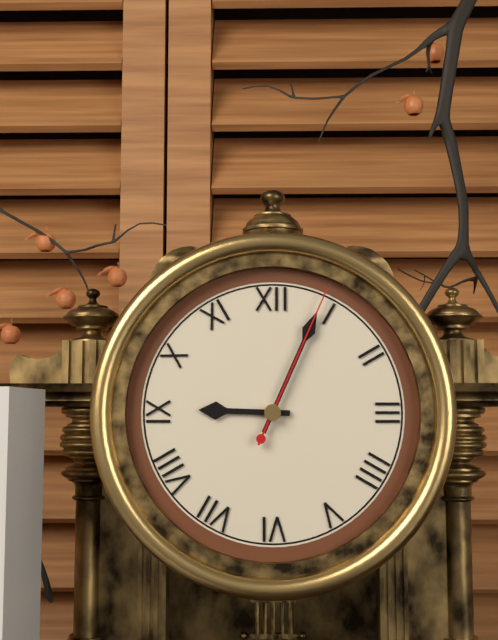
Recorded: h=9 m=4 s=4
